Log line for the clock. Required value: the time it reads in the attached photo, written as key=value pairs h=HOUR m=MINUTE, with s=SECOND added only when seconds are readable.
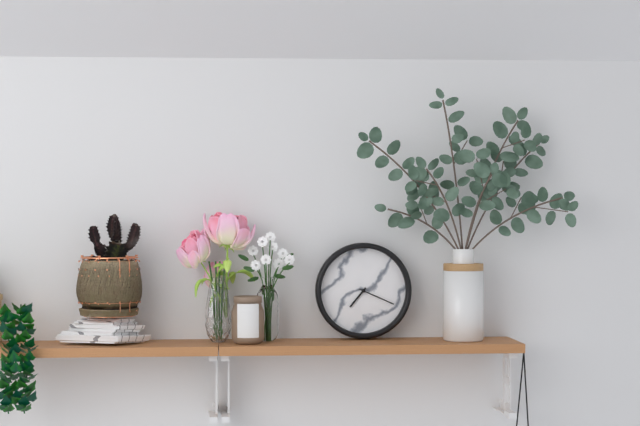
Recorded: h=7 m=19
